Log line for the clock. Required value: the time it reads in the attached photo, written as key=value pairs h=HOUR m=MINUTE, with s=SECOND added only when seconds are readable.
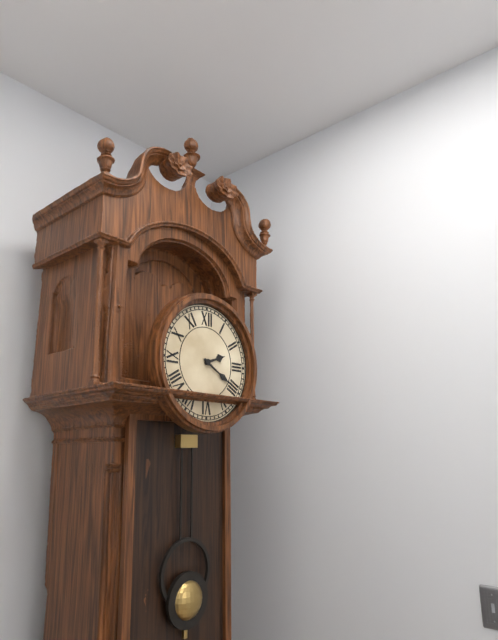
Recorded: h=2 m=20
